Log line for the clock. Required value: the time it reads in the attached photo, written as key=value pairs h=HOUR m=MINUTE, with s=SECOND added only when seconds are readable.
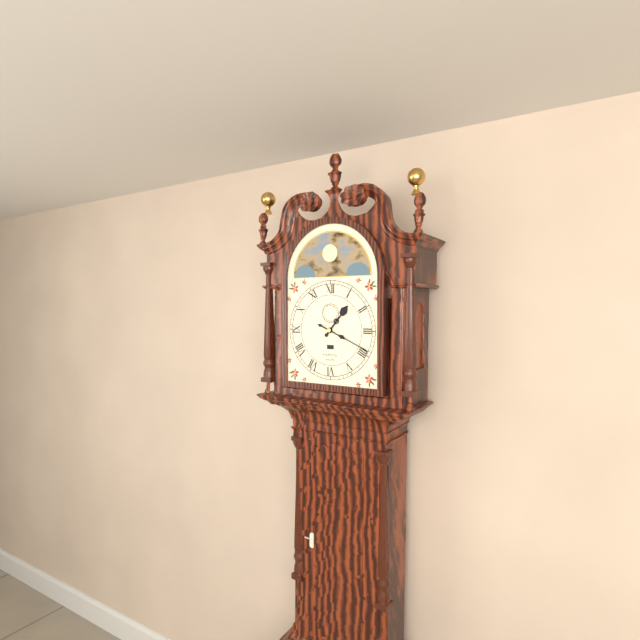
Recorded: h=1 m=19
